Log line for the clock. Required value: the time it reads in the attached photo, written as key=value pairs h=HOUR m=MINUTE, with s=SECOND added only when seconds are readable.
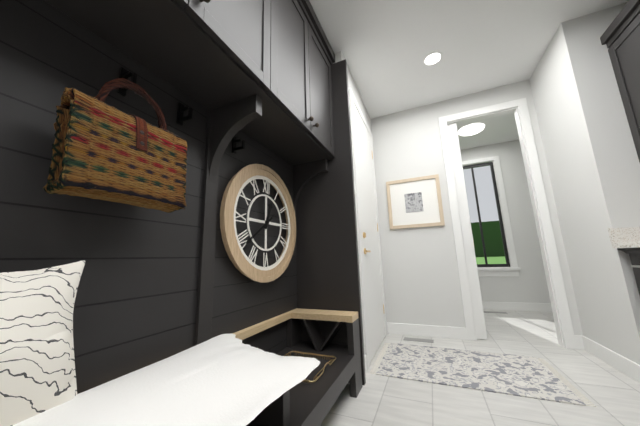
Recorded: h=12 m=39
